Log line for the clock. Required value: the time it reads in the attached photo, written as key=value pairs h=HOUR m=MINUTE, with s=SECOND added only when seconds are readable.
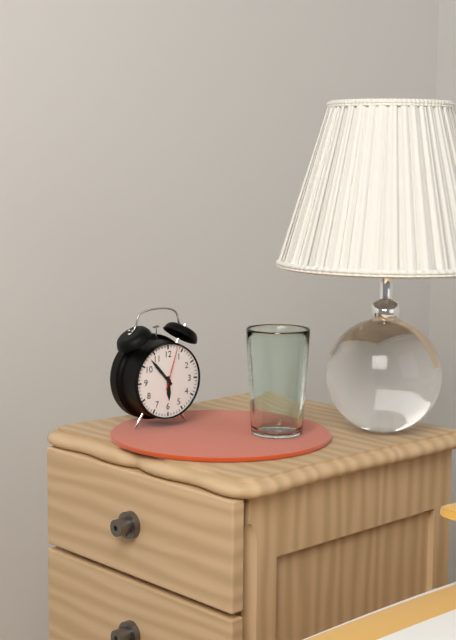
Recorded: h=5 m=53
